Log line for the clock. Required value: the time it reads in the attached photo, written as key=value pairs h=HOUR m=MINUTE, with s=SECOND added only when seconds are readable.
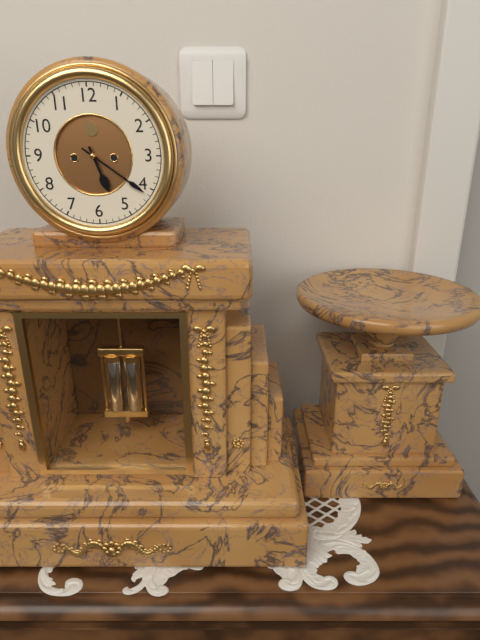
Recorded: h=5 m=21
